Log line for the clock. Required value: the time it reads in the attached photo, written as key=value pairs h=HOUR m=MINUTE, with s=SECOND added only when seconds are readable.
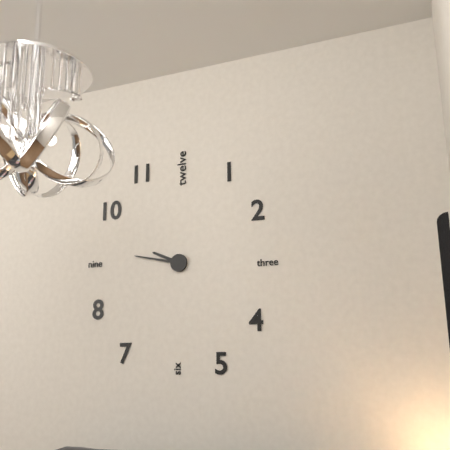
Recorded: h=9 m=47
